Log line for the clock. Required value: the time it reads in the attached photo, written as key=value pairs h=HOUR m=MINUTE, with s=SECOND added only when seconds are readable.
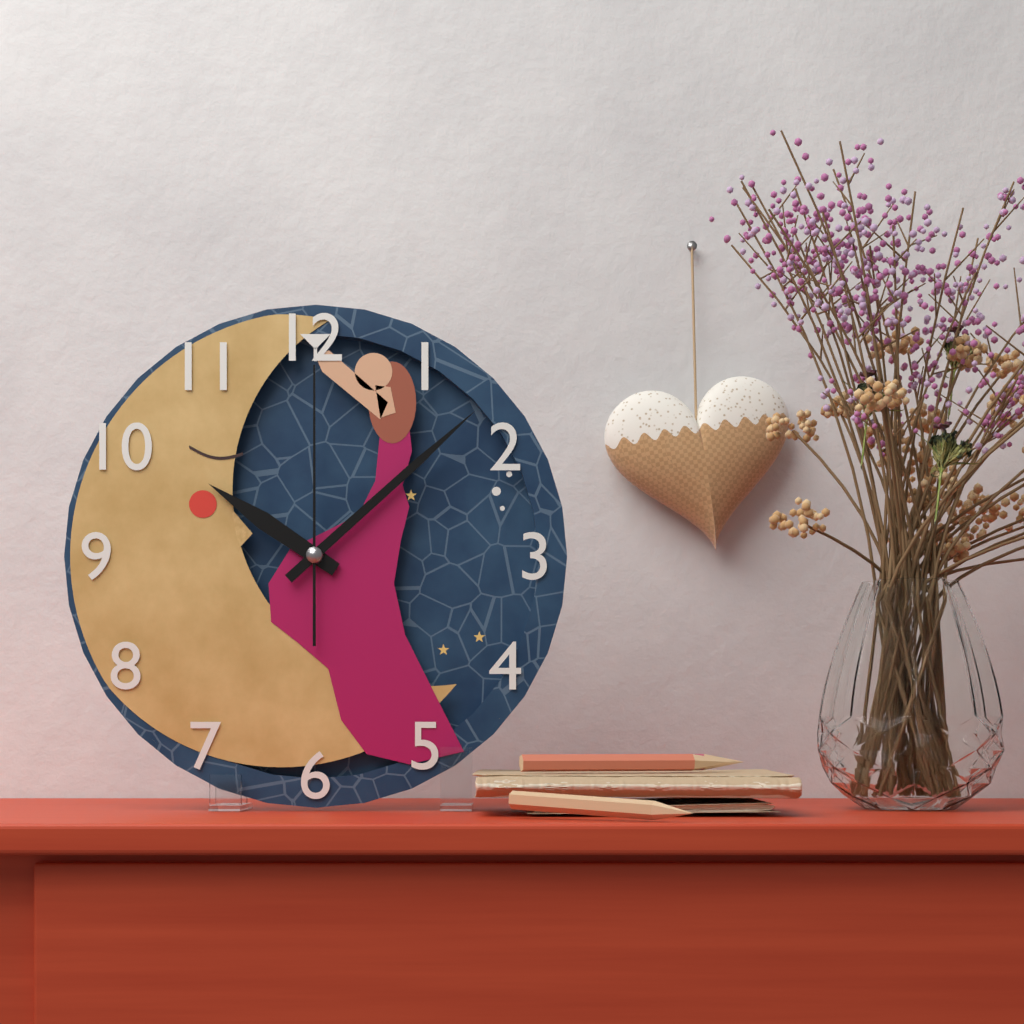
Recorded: h=10 m=8 s=0
